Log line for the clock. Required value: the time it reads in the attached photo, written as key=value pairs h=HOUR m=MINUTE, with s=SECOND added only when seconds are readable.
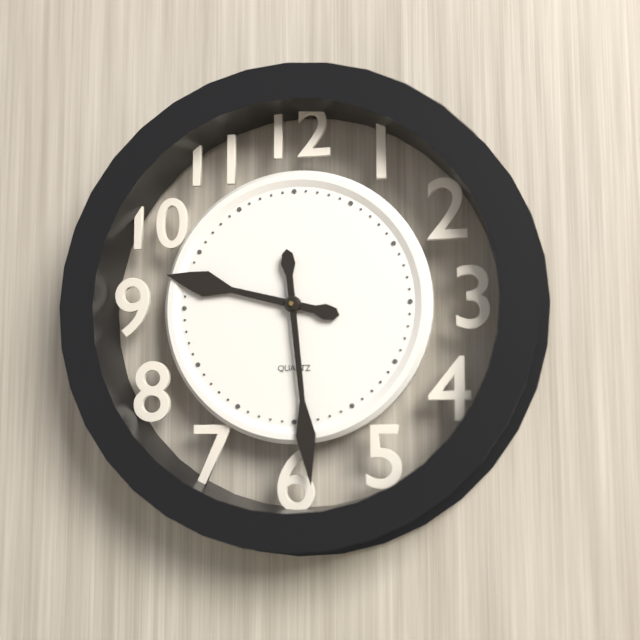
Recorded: h=9 m=29
